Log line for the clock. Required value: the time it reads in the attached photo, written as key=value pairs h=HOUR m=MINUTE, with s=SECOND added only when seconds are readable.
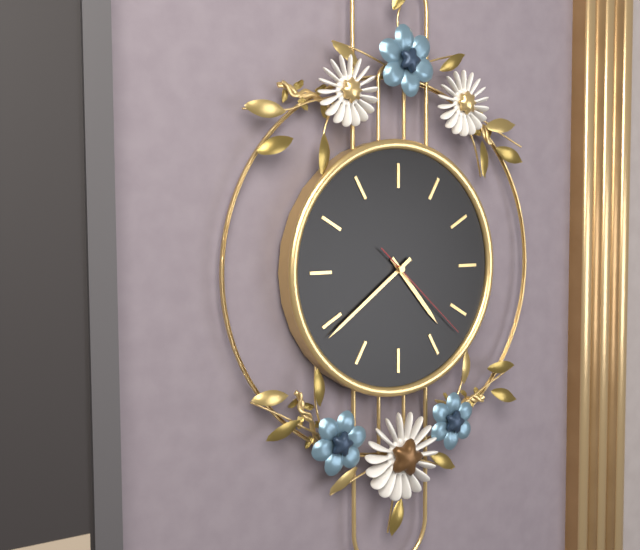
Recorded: h=4 m=39 s=22
